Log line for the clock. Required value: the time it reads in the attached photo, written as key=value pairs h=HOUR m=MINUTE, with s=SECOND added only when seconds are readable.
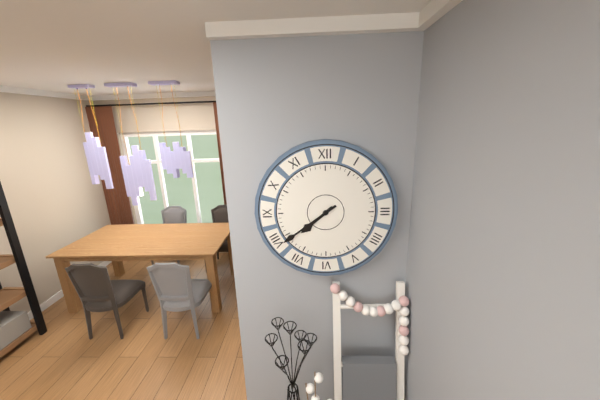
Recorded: h=7 m=39
